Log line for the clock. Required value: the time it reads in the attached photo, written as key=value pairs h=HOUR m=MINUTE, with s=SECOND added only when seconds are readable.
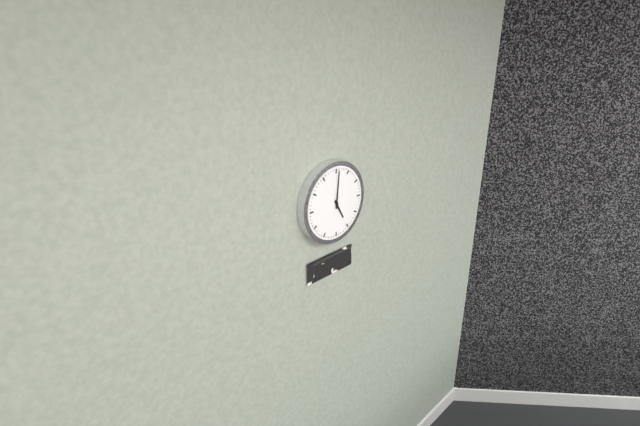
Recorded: h=5 m=1
